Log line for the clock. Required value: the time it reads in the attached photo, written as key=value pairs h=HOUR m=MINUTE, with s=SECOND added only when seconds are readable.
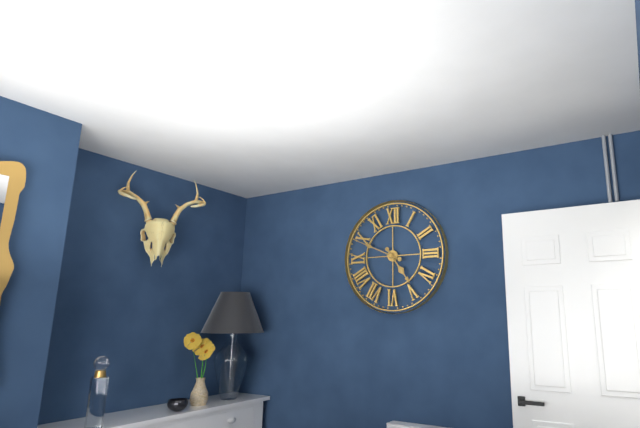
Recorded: h=4 m=49
